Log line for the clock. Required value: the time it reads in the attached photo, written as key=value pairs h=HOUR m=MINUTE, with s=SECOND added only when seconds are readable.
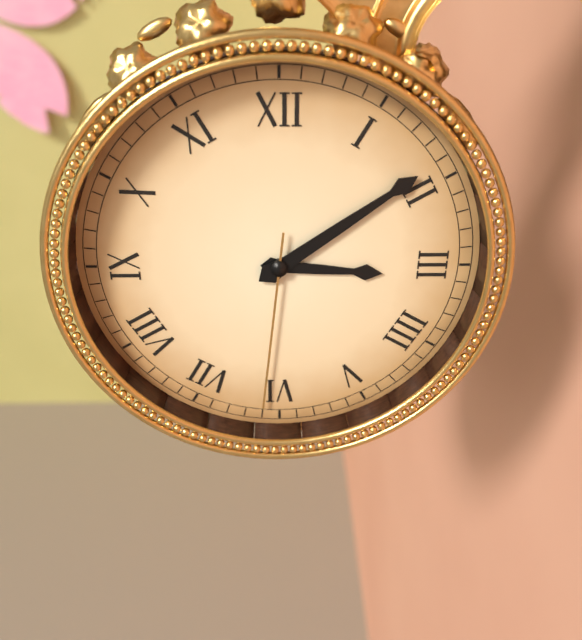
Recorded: h=3 m=9 s=31
